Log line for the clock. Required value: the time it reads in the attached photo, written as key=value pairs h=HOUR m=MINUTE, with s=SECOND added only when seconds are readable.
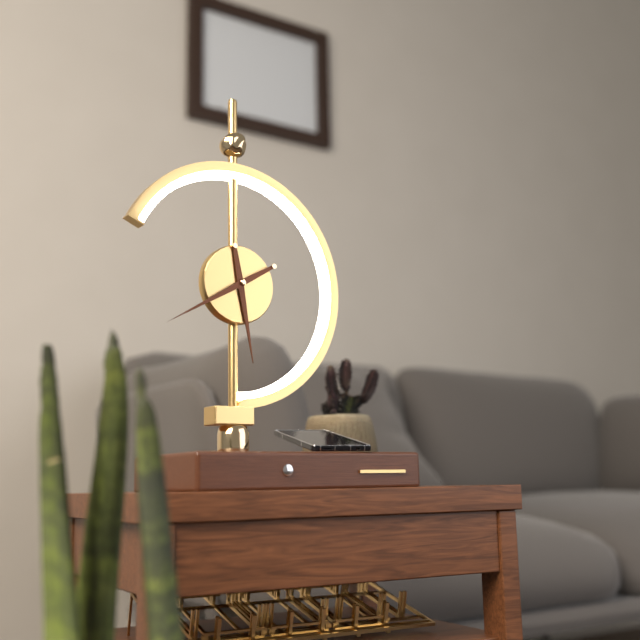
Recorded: h=5 m=40
